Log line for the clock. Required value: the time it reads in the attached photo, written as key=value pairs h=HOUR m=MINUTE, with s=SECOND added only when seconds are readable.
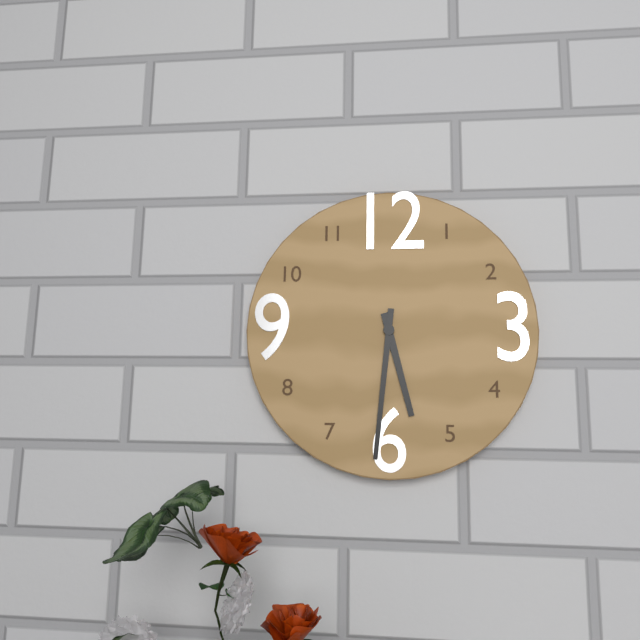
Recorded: h=5 m=31
